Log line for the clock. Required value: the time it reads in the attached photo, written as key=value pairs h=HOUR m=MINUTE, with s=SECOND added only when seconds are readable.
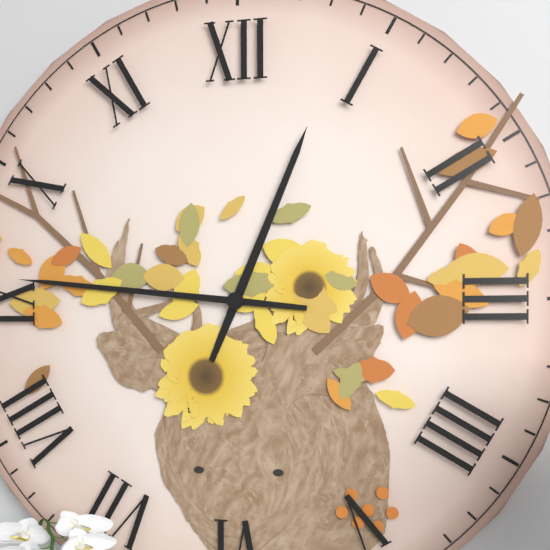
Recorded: h=12 m=46
